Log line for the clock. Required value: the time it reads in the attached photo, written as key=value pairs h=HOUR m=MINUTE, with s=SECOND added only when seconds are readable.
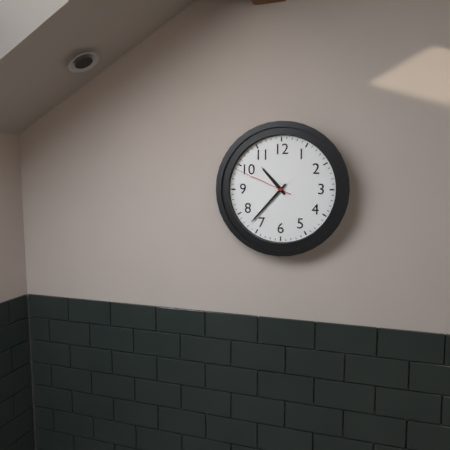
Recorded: h=10 m=37 s=49
